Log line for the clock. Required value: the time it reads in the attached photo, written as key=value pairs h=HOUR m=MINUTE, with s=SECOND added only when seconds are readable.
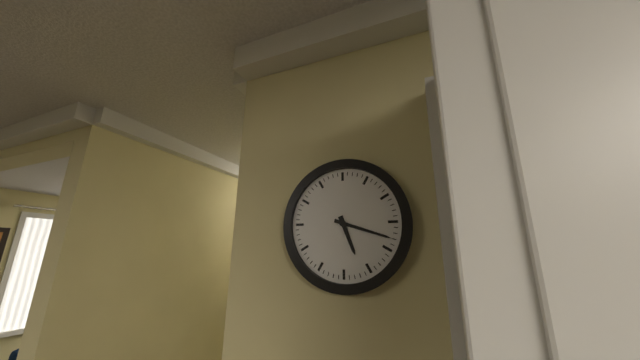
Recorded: h=5 m=18
